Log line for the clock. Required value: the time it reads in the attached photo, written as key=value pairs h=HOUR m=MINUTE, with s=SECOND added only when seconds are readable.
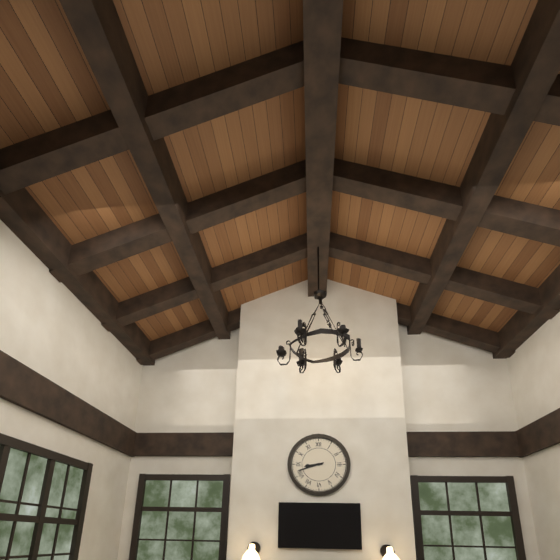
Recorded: h=8 m=42
